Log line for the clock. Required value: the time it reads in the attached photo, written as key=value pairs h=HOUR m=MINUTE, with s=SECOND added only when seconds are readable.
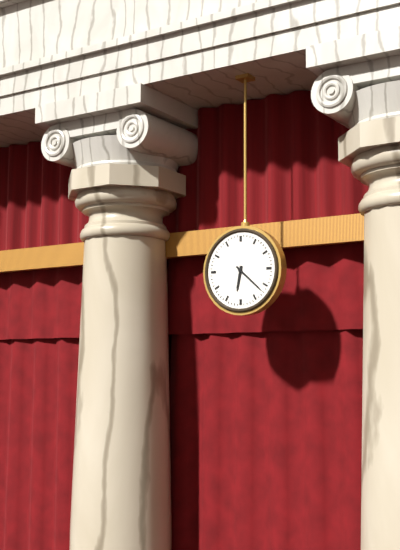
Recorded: h=6 m=22
